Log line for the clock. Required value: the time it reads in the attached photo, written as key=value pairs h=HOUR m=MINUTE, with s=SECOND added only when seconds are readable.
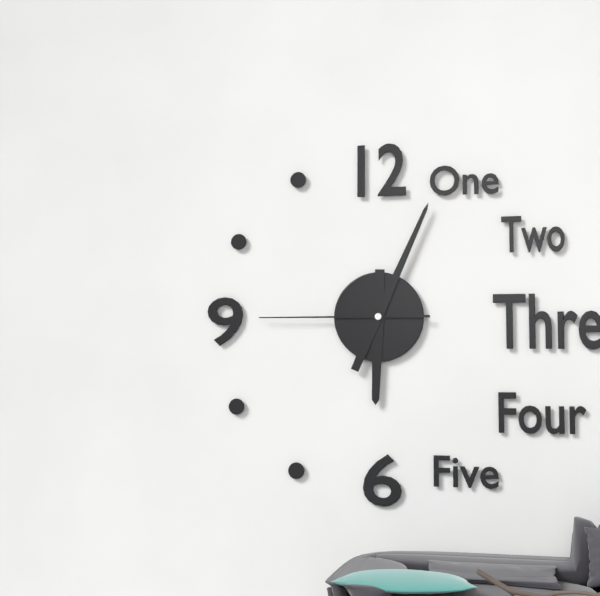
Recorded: h=6 m=4 s=45
